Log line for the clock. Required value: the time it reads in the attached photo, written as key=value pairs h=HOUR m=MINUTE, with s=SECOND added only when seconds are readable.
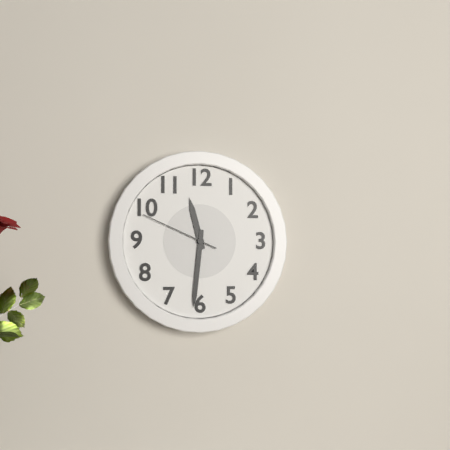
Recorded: h=11 m=31 s=49
